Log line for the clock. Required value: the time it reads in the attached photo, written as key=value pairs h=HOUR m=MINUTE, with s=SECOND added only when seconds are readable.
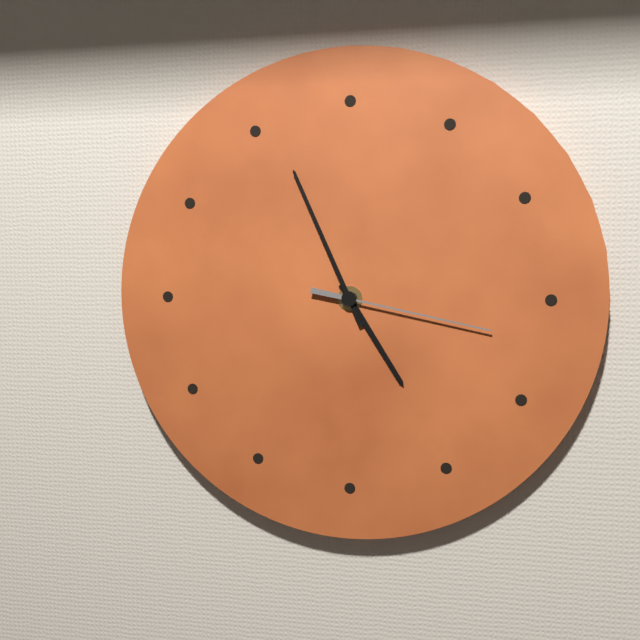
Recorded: h=4 m=56 s=17
